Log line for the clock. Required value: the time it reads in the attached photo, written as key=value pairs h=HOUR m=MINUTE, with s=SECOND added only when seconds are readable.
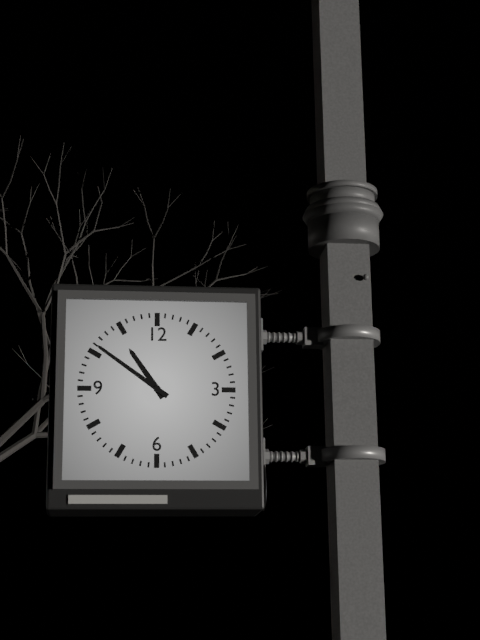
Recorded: h=10 m=51
